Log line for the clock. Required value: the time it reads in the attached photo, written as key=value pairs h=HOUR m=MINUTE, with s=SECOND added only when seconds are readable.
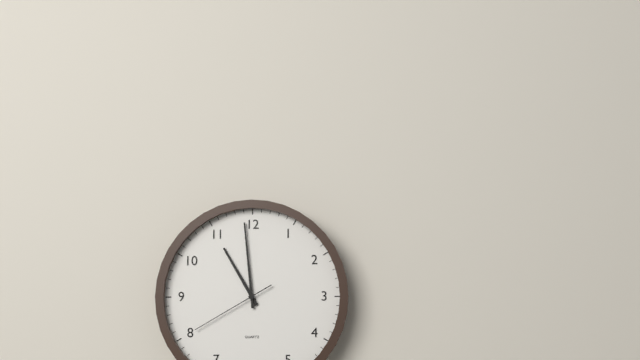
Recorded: h=10 m=59 s=40
